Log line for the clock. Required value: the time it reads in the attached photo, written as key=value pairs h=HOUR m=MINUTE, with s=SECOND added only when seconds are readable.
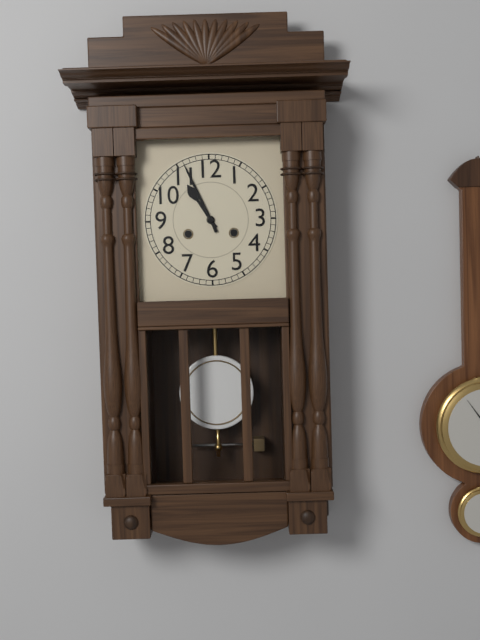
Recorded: h=10 m=56
